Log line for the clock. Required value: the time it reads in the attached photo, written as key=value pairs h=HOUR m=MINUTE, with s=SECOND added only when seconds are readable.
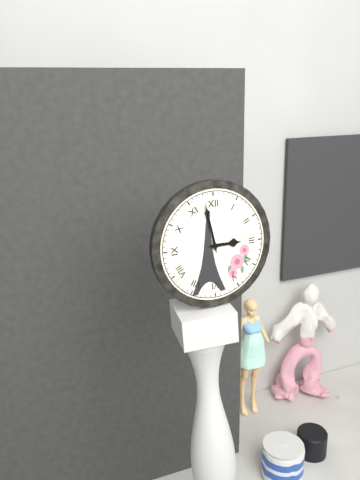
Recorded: h=2 m=58
